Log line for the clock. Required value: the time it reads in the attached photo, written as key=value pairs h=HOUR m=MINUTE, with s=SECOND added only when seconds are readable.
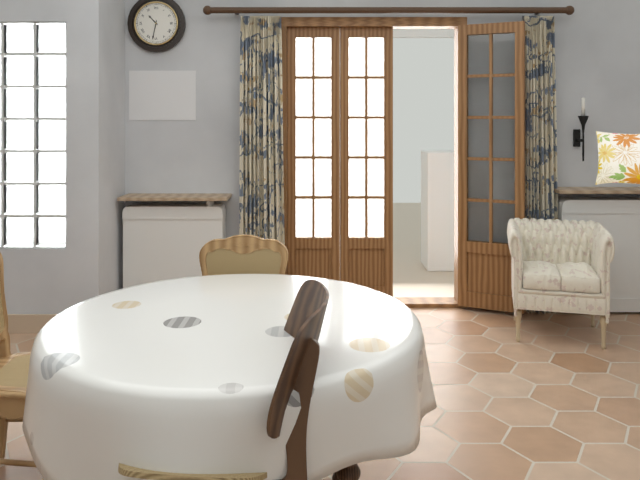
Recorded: h=10 m=32
